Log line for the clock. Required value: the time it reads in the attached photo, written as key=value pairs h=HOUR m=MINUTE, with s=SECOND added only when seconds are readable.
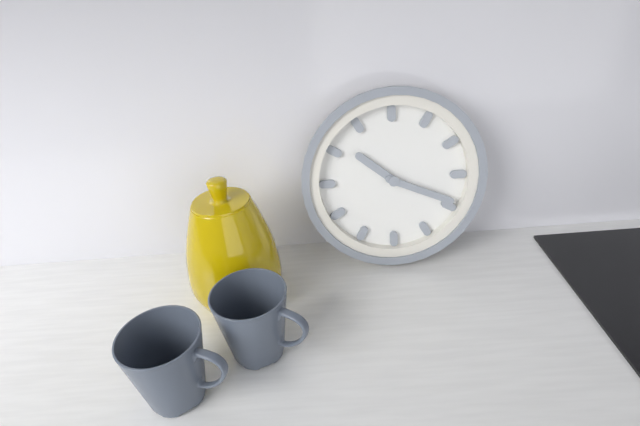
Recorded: h=10 m=19
